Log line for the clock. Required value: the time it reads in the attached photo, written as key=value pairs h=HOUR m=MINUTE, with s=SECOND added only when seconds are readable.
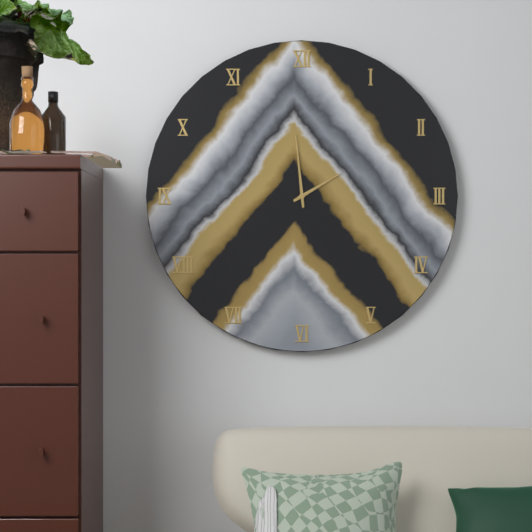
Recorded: h=1 m=59
